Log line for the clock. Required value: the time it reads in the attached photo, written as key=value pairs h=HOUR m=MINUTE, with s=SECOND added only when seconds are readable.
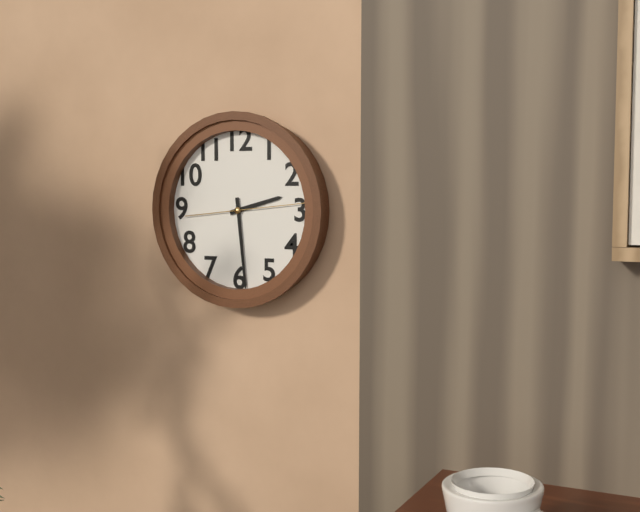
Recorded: h=2 m=29 s=14
